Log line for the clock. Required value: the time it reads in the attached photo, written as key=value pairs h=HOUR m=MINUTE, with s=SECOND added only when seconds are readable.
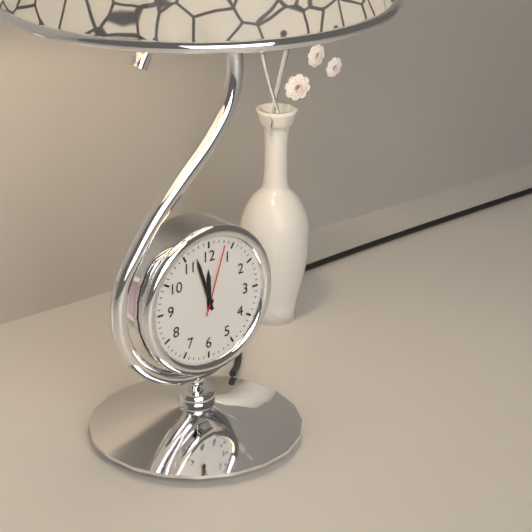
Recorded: h=11 m=57 s=3
